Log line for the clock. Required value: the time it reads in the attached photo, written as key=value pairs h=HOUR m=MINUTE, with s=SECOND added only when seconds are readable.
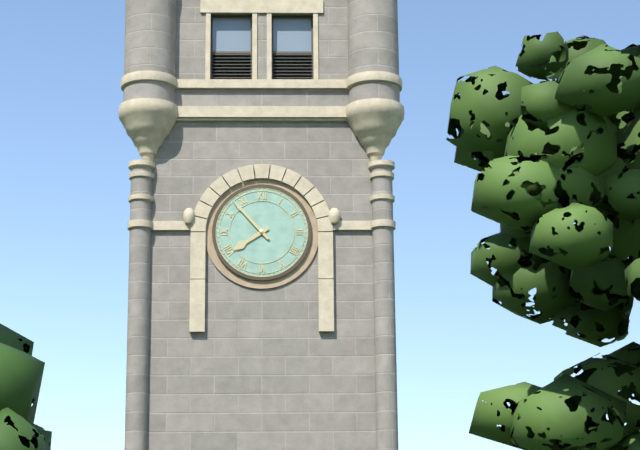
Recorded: h=7 m=53
